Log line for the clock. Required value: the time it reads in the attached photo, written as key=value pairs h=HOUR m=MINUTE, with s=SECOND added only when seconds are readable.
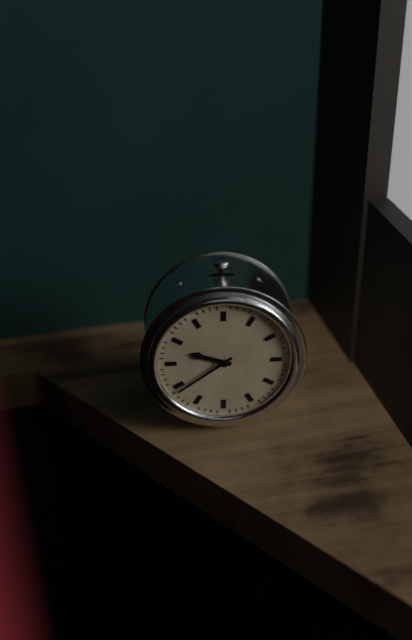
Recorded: h=9 m=39
